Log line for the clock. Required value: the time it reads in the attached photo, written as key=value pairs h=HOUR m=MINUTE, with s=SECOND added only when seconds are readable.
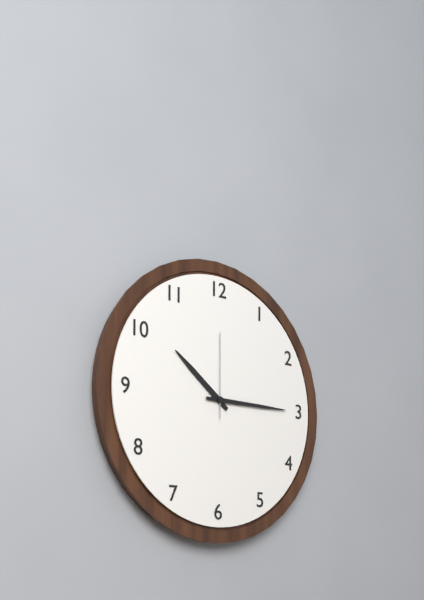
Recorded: h=10 m=15 s=0
